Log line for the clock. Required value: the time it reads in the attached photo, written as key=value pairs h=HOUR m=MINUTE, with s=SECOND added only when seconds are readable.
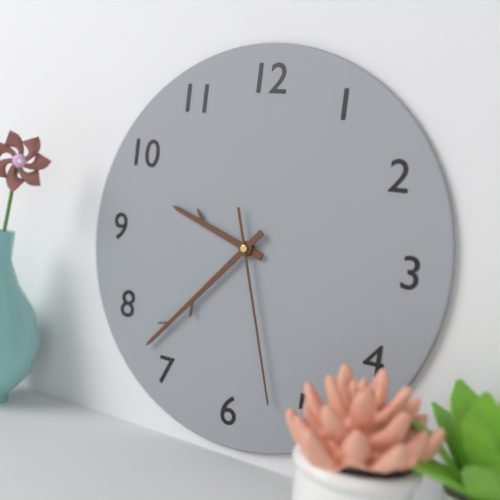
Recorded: h=9 m=37 s=27
